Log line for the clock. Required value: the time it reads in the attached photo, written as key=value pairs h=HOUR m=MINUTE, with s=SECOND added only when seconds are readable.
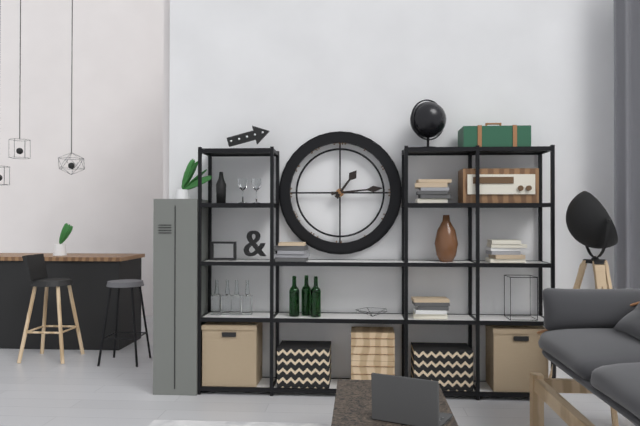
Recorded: h=1 m=14
